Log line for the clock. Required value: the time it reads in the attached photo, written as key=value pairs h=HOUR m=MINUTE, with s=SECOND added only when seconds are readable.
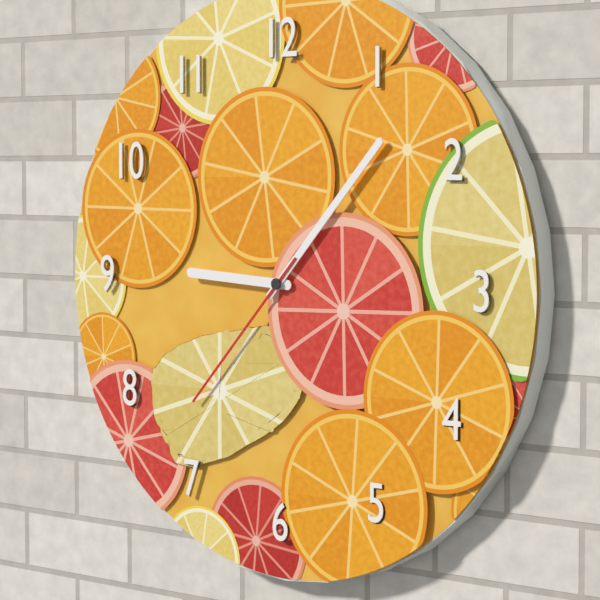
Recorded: h=9 m=7 s=37
